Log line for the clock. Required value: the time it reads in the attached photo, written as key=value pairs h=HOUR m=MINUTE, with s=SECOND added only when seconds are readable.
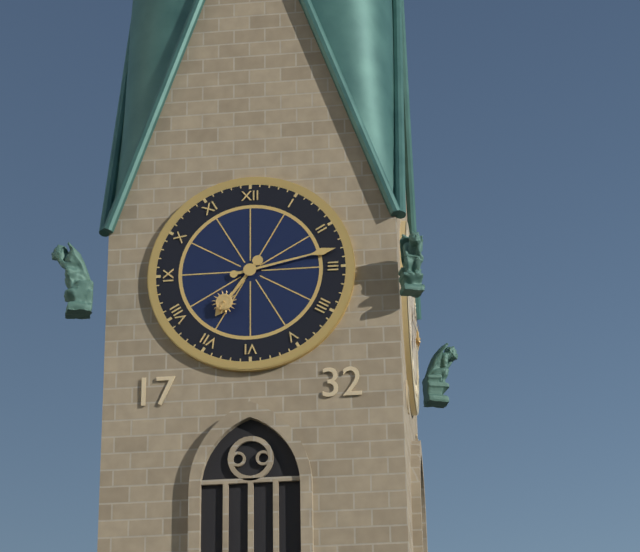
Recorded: h=7 m=13
